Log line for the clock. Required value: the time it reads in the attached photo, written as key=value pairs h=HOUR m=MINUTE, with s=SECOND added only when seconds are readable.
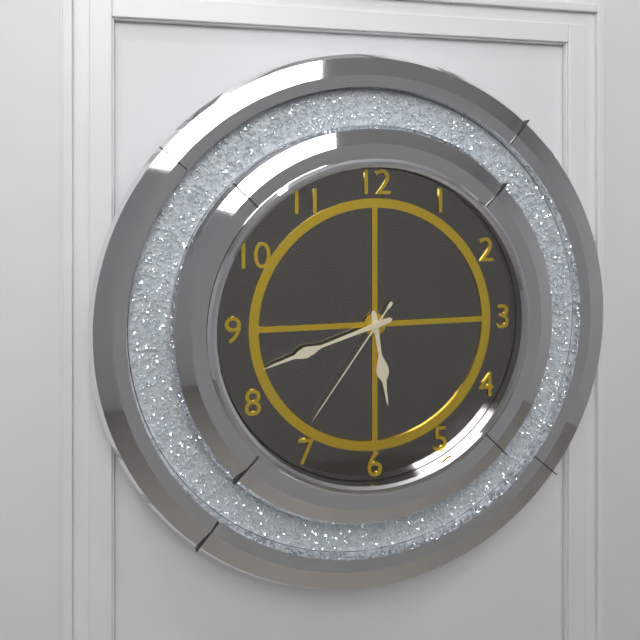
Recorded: h=5 m=42 s=36
